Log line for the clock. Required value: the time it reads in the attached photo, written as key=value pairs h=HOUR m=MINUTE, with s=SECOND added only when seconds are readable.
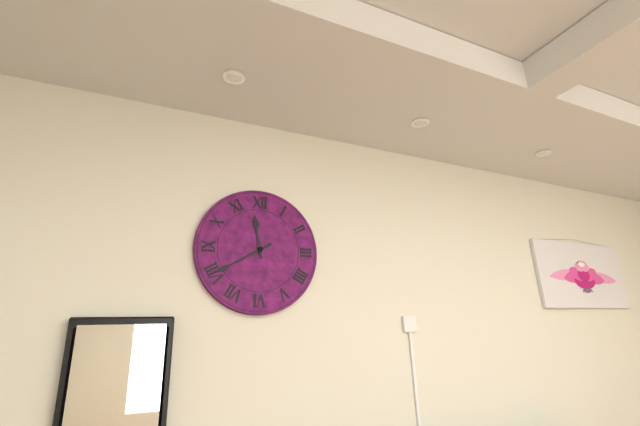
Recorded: h=11 m=40
